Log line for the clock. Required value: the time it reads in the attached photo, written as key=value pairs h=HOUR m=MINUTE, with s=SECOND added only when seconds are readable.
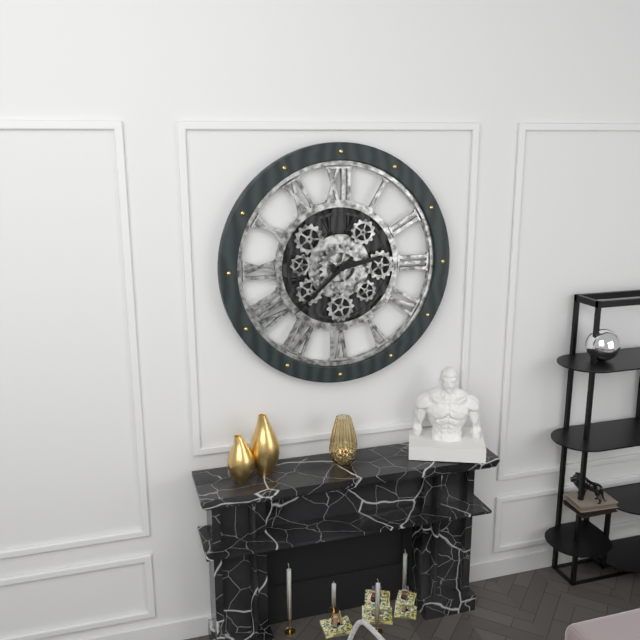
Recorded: h=2 m=38
